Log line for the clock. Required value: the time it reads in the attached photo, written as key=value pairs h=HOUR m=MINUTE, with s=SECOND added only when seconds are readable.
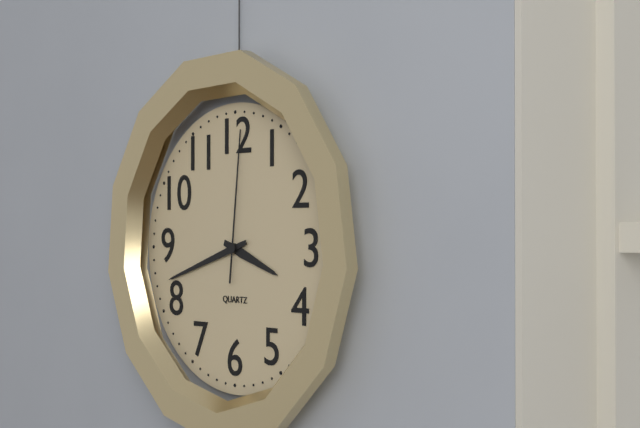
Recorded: h=3 m=42 s=1
